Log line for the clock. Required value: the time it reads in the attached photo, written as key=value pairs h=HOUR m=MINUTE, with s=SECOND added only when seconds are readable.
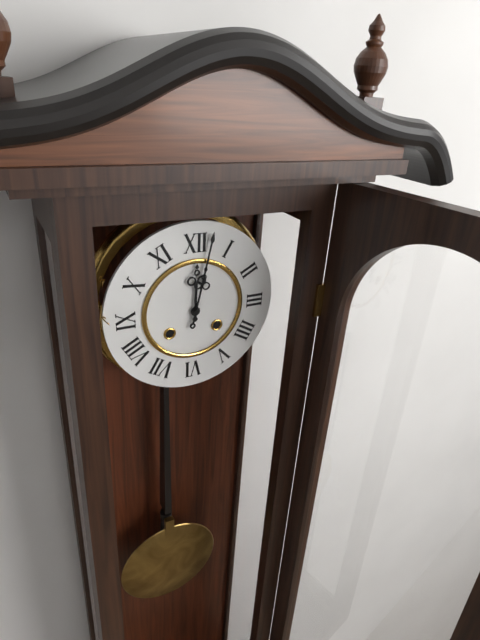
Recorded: h=12 m=2
